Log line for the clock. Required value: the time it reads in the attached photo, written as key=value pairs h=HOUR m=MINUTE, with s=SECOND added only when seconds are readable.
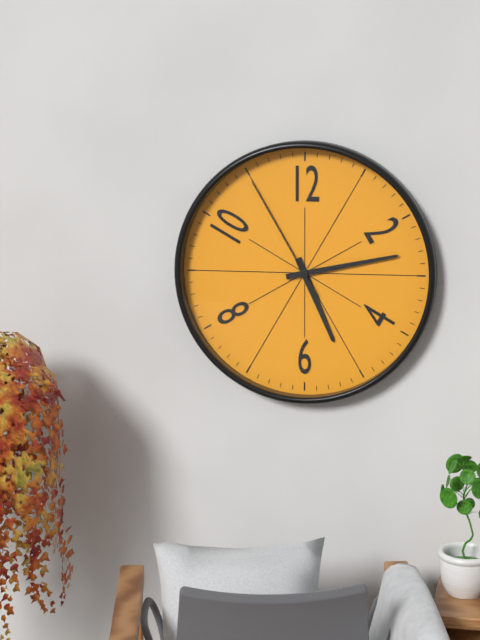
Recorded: h=5 m=13 s=55
